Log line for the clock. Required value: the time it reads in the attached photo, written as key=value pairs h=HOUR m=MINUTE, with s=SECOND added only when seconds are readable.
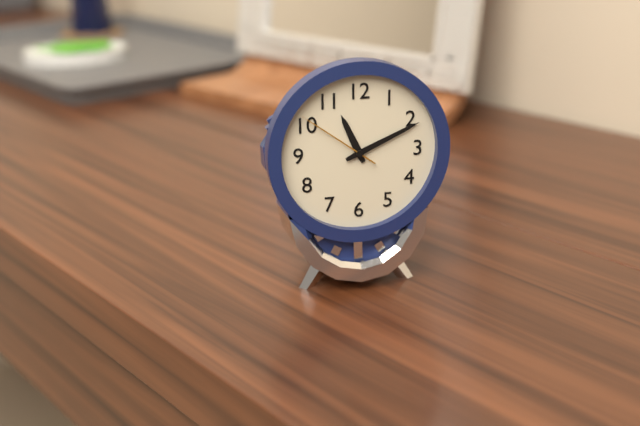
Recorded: h=11 m=11 s=51
